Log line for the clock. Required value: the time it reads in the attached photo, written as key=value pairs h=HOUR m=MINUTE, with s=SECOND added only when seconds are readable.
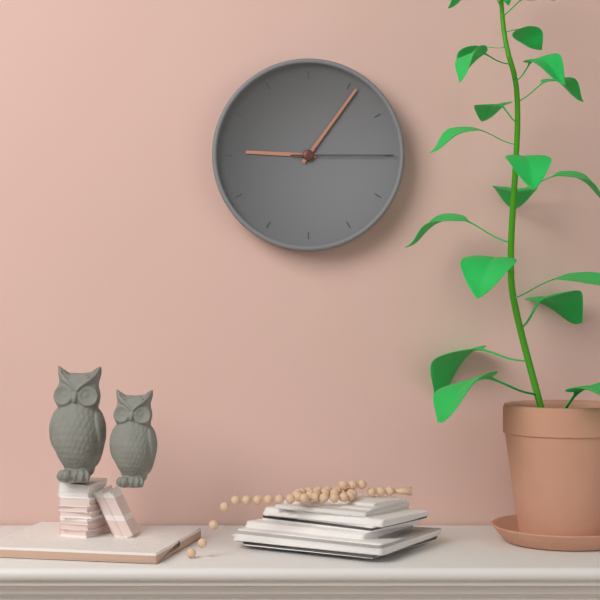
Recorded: h=9 m=6 s=15
